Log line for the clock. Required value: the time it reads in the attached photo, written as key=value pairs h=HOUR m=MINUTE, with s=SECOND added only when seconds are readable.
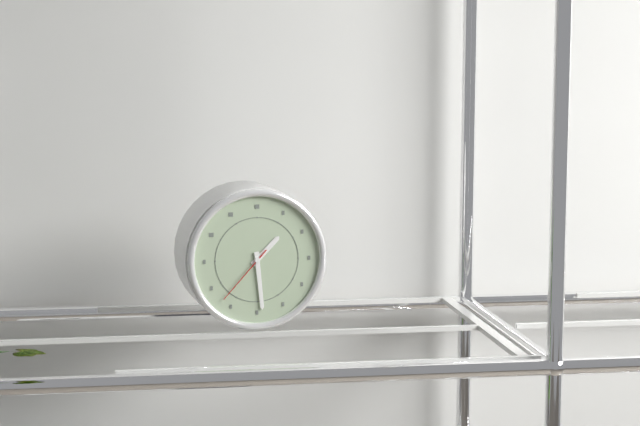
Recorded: h=1 m=29 s=37
